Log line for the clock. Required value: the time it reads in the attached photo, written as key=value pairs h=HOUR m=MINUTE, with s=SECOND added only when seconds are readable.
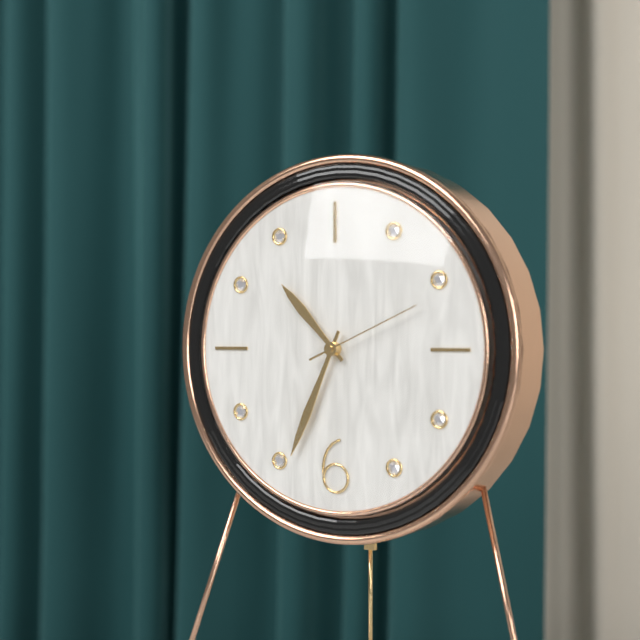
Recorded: h=10 m=34 s=11
